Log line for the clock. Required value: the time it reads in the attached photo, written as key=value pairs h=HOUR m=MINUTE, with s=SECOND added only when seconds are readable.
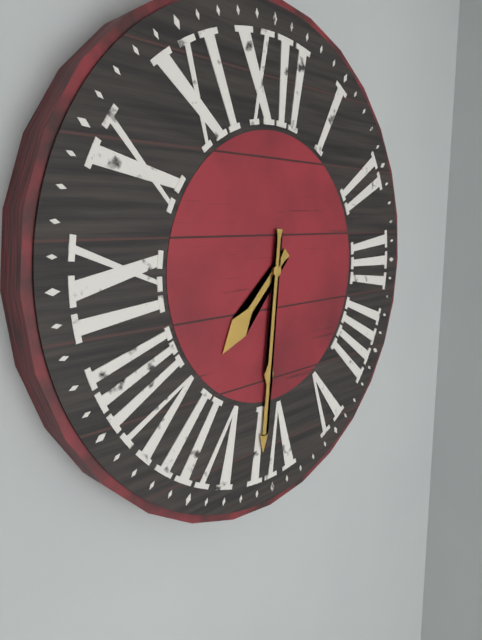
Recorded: h=7 m=31
